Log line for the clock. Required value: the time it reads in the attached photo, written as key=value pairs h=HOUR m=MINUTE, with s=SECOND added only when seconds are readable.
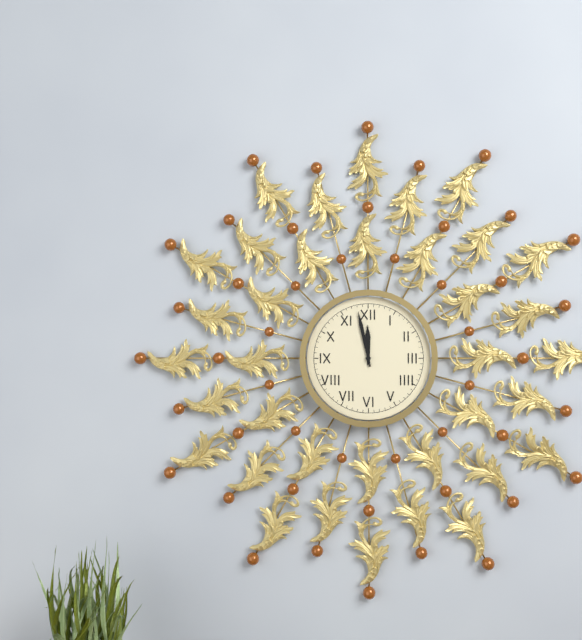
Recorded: h=11 m=58
